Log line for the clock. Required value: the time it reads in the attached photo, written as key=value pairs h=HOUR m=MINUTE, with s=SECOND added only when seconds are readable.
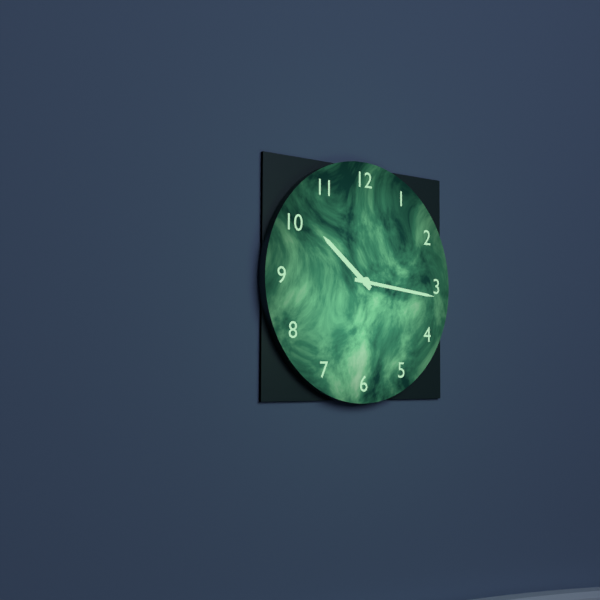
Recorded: h=10 m=16
